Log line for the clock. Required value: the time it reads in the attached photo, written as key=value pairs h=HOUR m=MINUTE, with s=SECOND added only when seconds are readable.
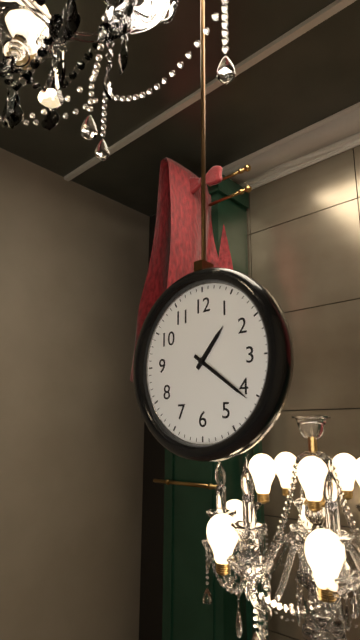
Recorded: h=1 m=21
